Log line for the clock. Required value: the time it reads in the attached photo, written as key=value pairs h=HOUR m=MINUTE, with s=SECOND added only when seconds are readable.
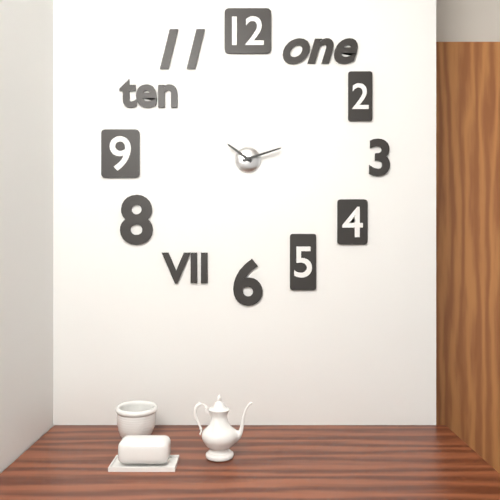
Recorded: h=10 m=12
